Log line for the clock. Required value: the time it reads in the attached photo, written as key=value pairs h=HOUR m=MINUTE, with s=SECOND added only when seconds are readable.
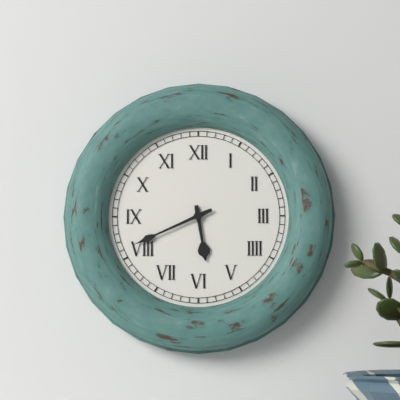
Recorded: h=5 m=41
